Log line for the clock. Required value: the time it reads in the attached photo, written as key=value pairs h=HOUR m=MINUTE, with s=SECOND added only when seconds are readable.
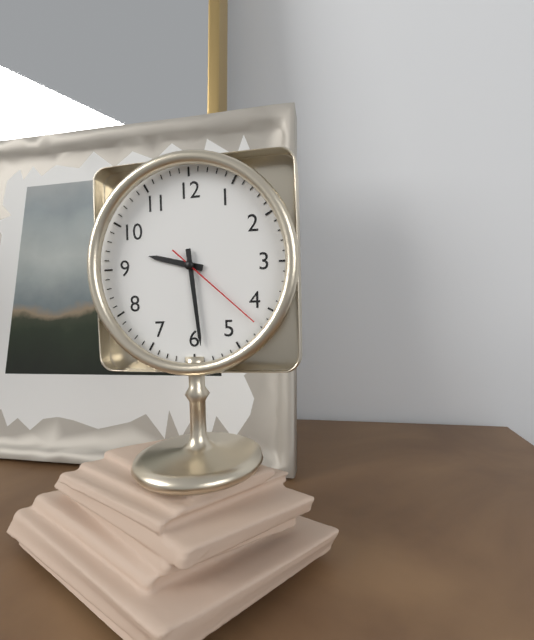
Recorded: h=9 m=29 s=22
